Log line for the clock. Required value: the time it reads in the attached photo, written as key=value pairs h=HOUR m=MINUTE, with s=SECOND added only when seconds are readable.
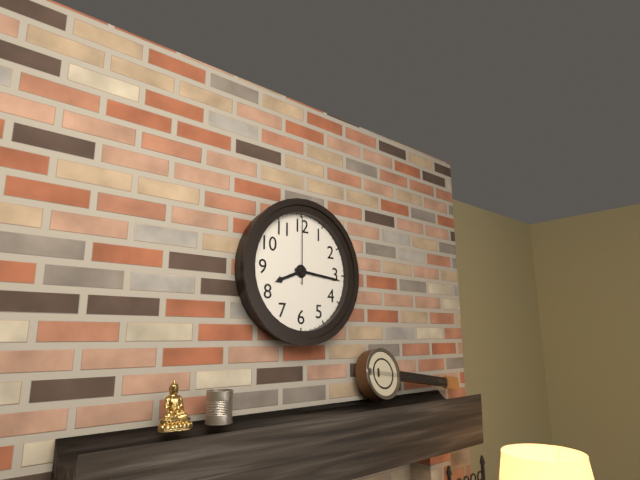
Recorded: h=8 m=16 s=0
